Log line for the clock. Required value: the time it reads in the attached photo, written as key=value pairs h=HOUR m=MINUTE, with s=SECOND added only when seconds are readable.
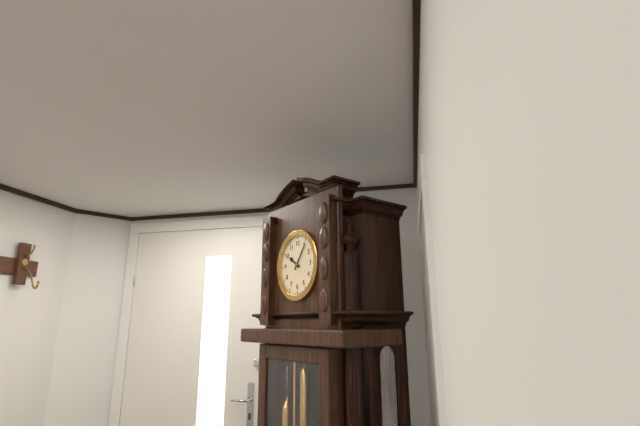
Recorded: h=10 m=6
